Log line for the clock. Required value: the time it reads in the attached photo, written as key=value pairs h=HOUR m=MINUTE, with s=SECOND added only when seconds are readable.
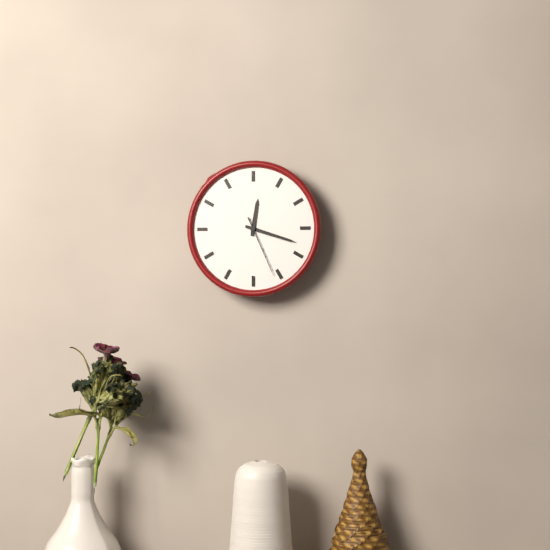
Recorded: h=12 m=18 s=26
